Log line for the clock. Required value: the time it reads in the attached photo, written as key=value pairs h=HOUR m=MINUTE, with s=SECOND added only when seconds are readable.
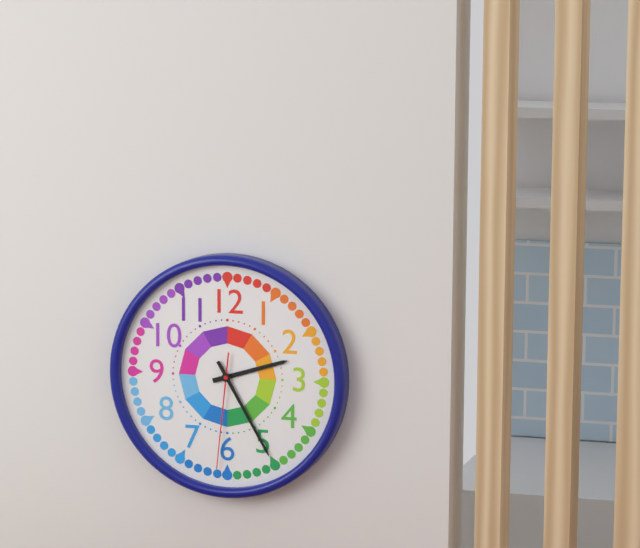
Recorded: h=2 m=25 s=31
